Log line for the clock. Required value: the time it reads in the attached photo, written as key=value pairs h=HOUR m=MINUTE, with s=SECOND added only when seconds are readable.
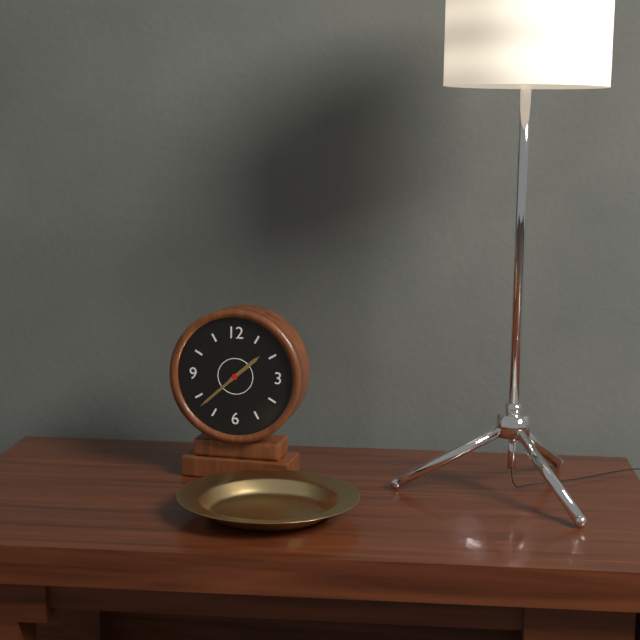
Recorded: h=1 m=38
